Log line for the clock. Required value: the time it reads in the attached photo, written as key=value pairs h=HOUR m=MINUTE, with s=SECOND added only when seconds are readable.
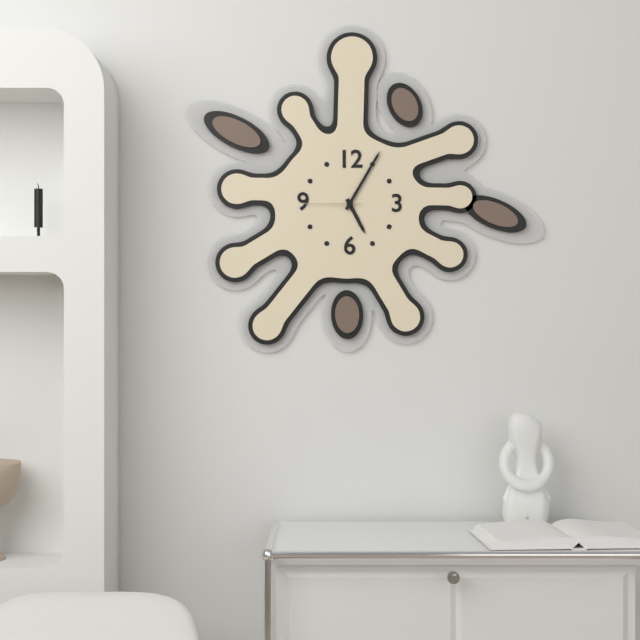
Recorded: h=5 m=5 s=45
